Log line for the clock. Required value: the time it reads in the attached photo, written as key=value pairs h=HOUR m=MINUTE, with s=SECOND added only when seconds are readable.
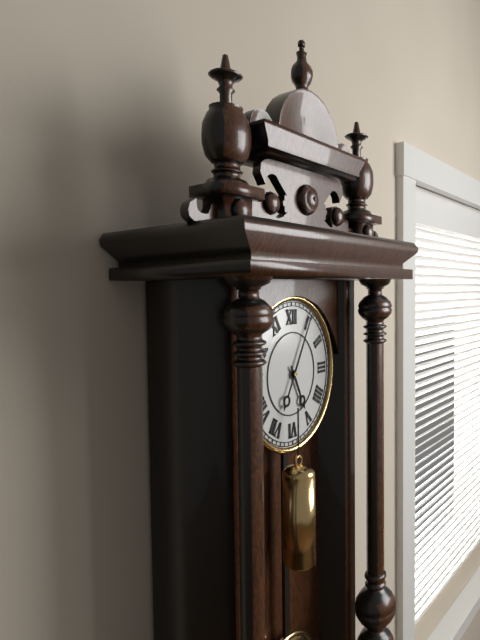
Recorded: h=5 m=5
